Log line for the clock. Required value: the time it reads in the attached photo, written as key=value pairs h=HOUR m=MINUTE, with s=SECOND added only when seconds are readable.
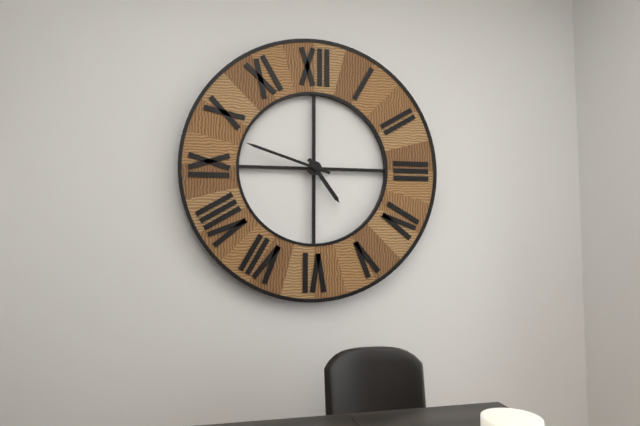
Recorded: h=4 m=48
